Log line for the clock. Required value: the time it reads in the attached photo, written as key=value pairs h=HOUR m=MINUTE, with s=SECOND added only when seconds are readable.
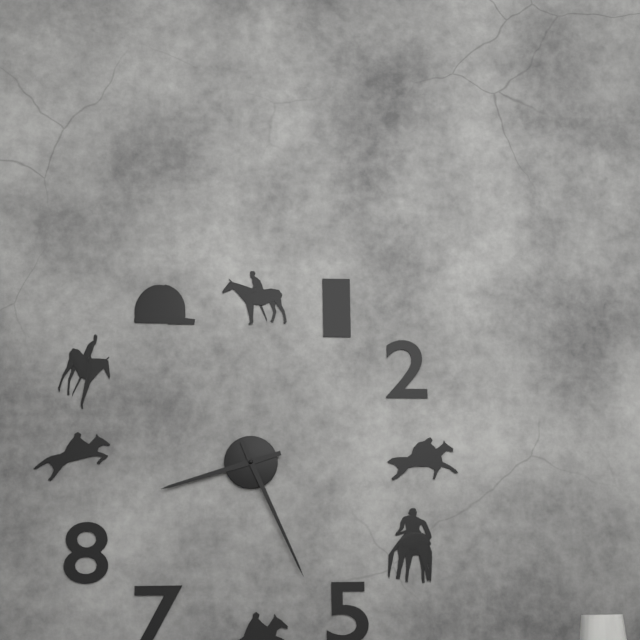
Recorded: h=8 m=26
